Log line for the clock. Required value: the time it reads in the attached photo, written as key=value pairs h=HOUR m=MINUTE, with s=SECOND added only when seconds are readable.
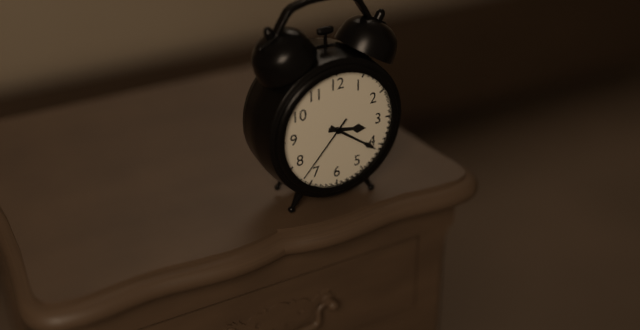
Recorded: h=3 m=21 s=37
